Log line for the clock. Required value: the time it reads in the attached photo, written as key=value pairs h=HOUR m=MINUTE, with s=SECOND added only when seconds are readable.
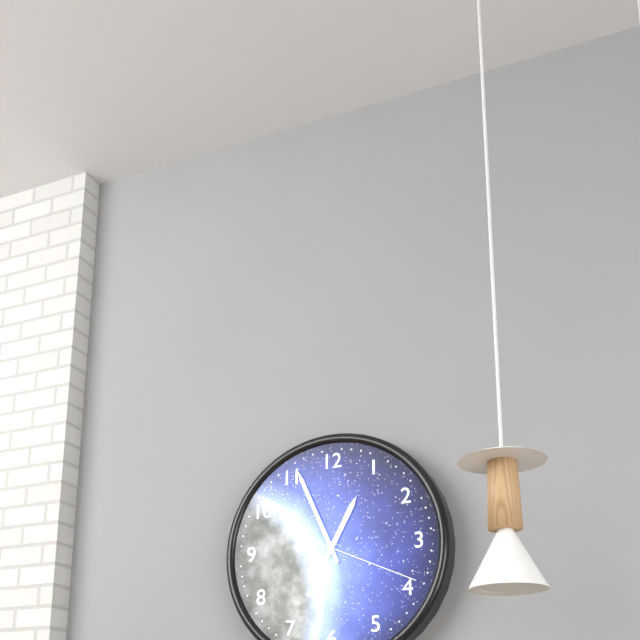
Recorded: h=12 m=56 s=19
